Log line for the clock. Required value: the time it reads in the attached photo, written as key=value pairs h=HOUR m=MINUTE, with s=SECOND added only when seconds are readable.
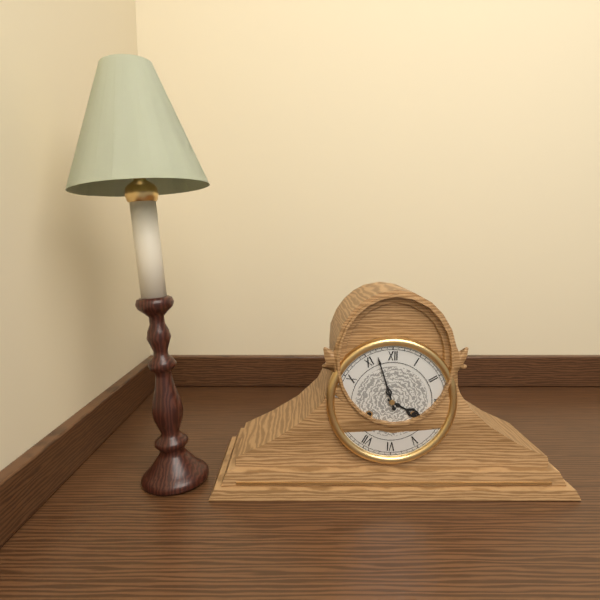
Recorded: h=3 m=57
